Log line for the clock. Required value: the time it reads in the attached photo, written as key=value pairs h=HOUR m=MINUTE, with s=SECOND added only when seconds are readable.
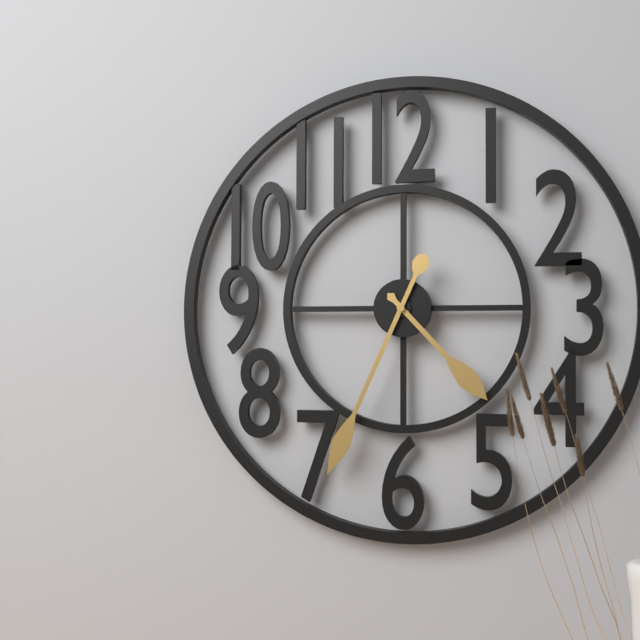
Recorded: h=4 m=34
